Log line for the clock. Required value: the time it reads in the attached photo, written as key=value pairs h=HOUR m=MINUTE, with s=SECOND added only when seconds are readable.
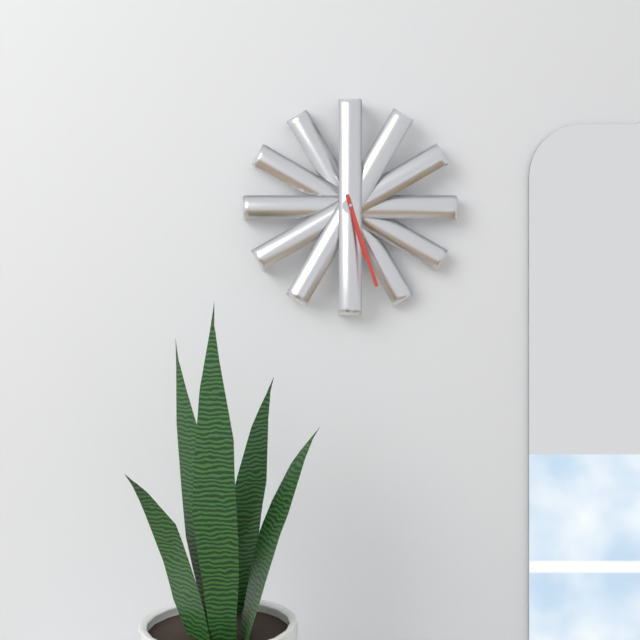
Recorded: h=5 m=27
